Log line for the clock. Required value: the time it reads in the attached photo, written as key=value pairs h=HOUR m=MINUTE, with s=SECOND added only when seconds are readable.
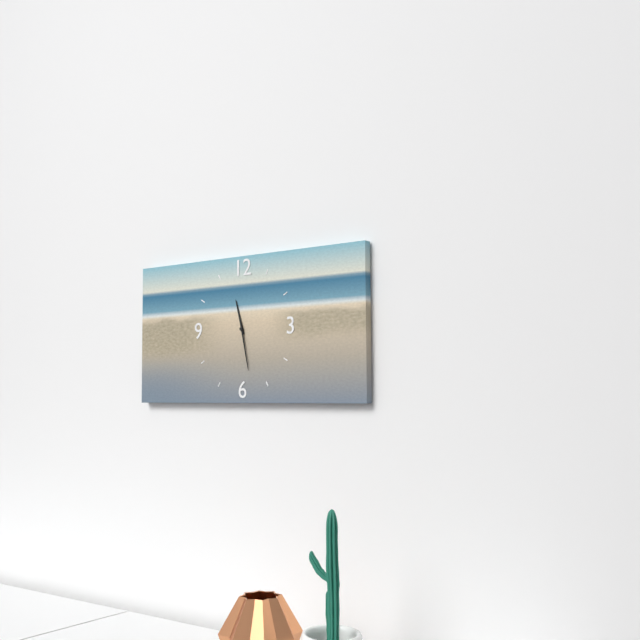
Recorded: h=11 m=28
